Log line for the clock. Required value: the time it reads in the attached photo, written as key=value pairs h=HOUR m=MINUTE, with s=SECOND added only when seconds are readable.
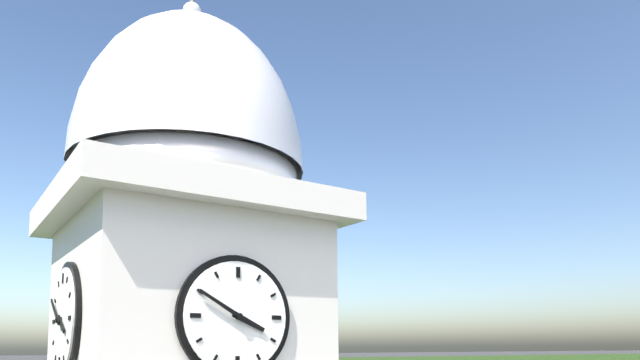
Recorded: h=3 m=50
